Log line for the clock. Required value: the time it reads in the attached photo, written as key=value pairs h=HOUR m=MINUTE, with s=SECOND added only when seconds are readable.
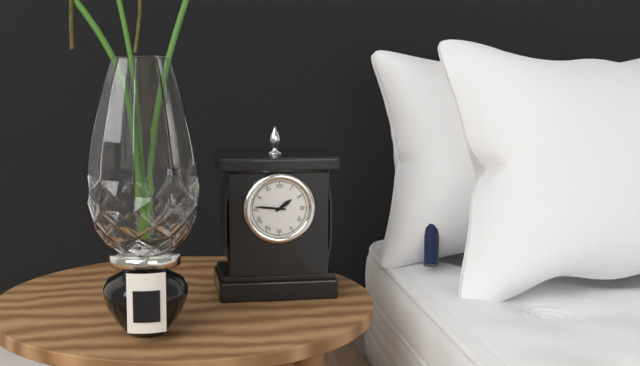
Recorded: h=1 m=46
